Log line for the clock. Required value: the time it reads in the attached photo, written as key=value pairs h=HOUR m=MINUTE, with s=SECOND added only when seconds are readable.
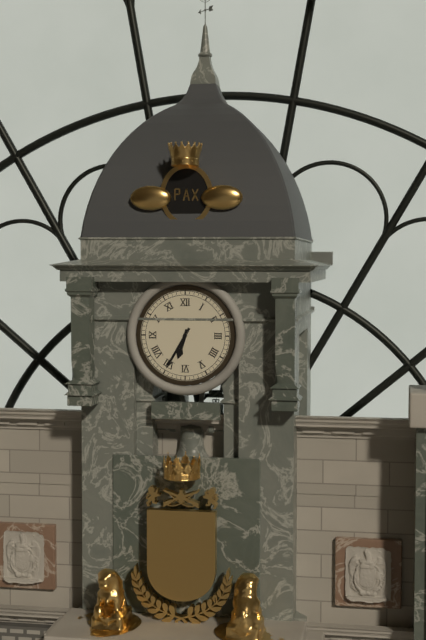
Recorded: h=6 m=35
